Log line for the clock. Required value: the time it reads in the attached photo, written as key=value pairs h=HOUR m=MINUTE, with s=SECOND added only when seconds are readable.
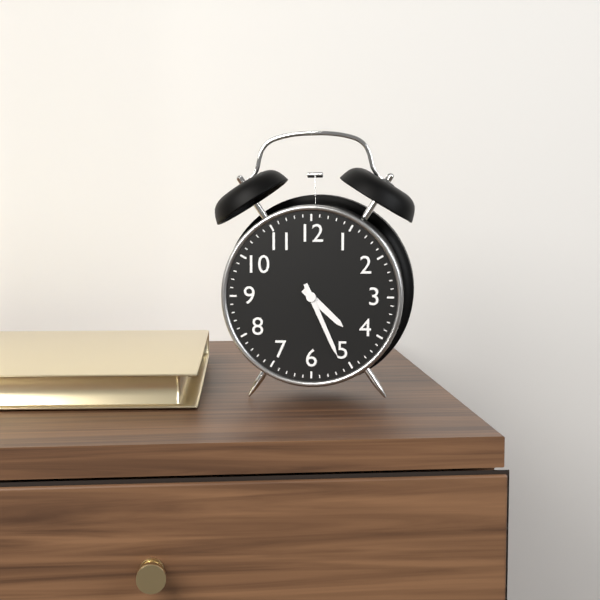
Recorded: h=4 m=26
